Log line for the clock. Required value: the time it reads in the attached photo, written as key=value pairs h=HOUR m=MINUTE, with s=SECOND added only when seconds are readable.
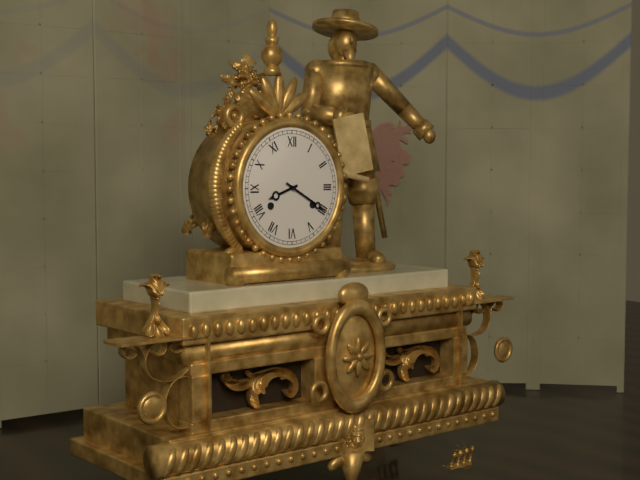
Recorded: h=8 m=20
